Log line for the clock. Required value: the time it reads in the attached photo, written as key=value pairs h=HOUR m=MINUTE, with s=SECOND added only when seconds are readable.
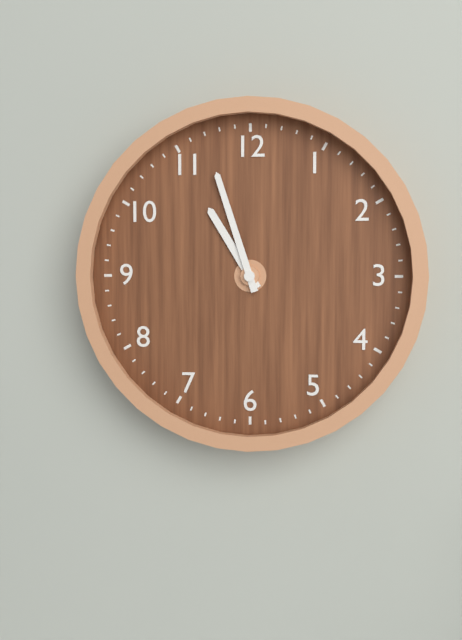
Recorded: h=10 m=57
